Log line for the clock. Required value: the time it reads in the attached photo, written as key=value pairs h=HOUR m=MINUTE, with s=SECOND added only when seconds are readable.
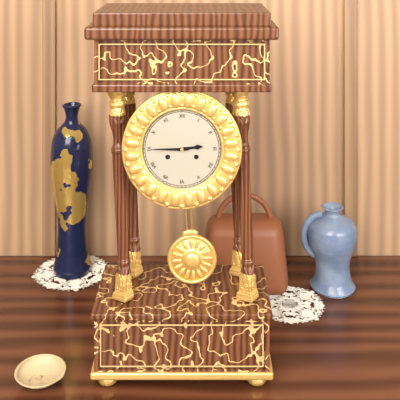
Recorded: h=2 m=45
